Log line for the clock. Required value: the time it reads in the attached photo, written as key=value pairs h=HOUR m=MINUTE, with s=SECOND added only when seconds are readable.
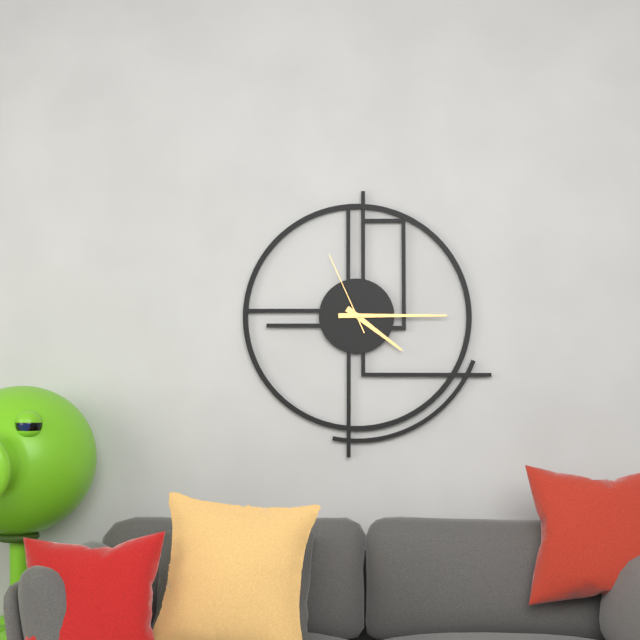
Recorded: h=4 m=15 s=56
